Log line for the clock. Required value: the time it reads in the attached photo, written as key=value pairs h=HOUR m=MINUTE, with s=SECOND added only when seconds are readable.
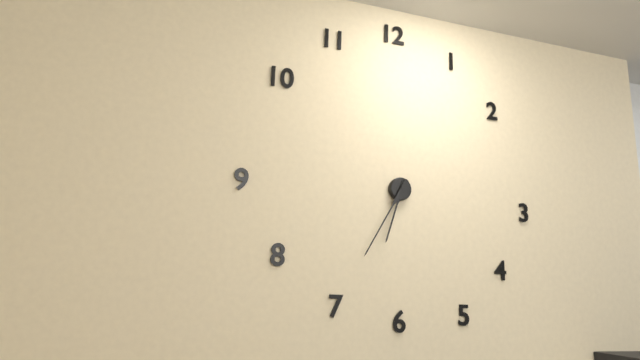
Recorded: h=6 m=35
